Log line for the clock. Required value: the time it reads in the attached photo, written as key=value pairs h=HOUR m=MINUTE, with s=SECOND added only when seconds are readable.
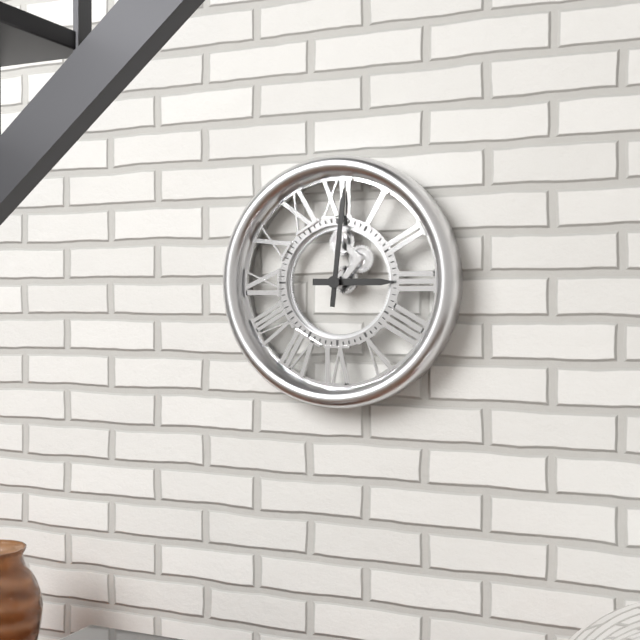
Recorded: h=3 m=1
